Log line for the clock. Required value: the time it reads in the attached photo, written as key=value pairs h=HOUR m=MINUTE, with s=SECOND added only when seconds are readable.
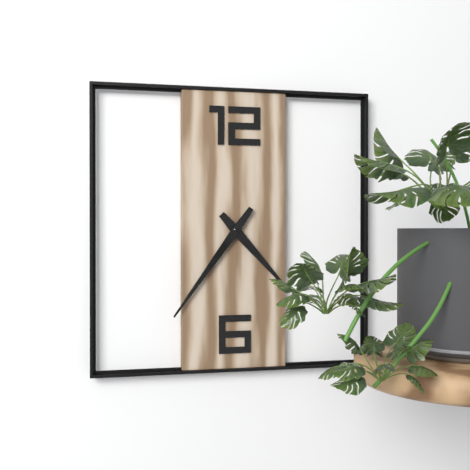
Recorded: h=4 m=36
